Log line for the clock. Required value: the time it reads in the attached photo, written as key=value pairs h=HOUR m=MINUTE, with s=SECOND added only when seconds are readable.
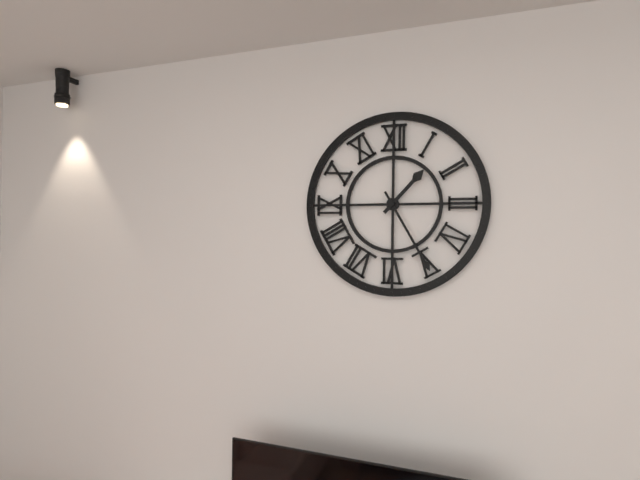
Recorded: h=1 m=25
